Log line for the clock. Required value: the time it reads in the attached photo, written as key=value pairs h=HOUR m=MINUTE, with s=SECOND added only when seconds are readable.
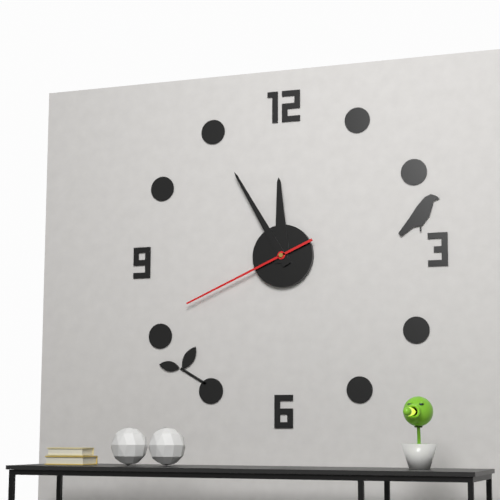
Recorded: h=11 m=55 s=41
